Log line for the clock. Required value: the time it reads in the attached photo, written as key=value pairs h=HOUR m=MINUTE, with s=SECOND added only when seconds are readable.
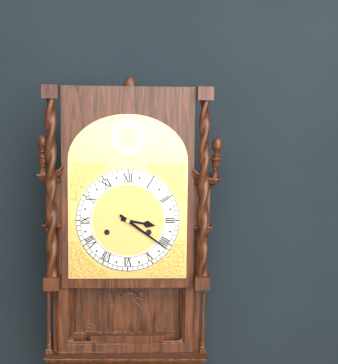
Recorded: h=3 m=21
